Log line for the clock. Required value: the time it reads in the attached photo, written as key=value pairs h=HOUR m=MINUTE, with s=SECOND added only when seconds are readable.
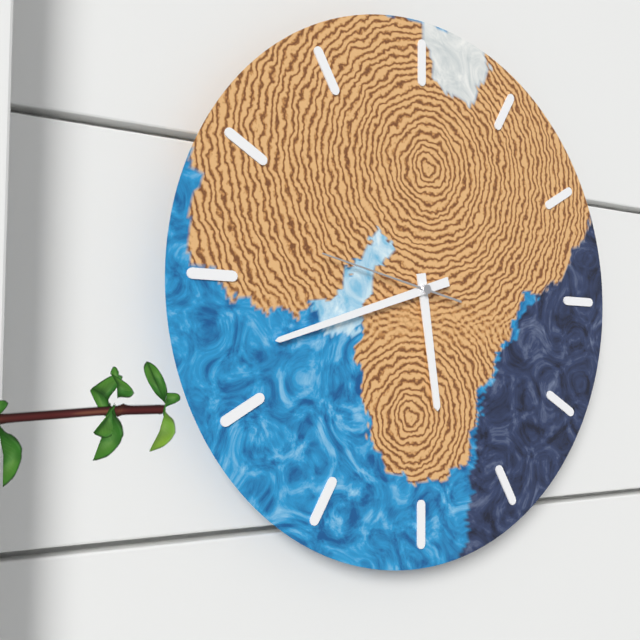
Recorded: h=5 m=42 s=47
